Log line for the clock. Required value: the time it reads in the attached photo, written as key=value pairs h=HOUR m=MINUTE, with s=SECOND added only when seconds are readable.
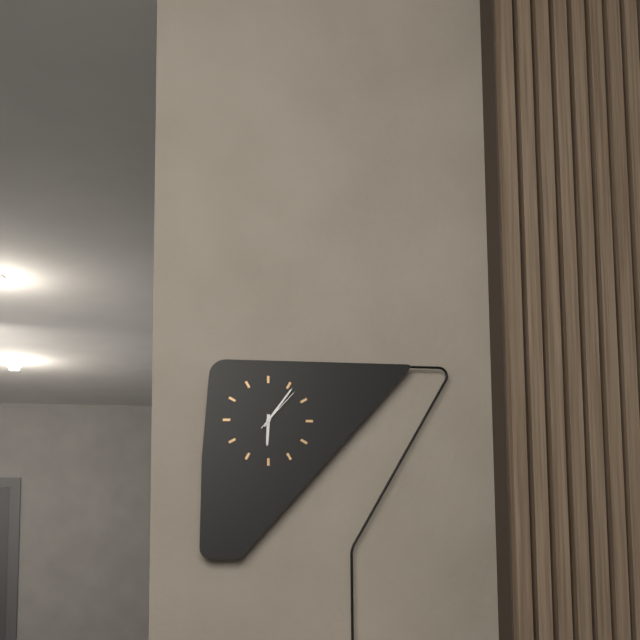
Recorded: h=6 m=6 s=7
